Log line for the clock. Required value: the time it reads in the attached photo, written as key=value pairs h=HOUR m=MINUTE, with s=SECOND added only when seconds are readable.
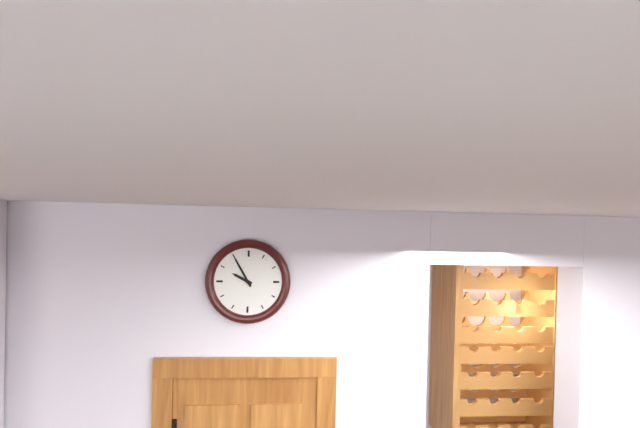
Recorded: h=9 m=55
